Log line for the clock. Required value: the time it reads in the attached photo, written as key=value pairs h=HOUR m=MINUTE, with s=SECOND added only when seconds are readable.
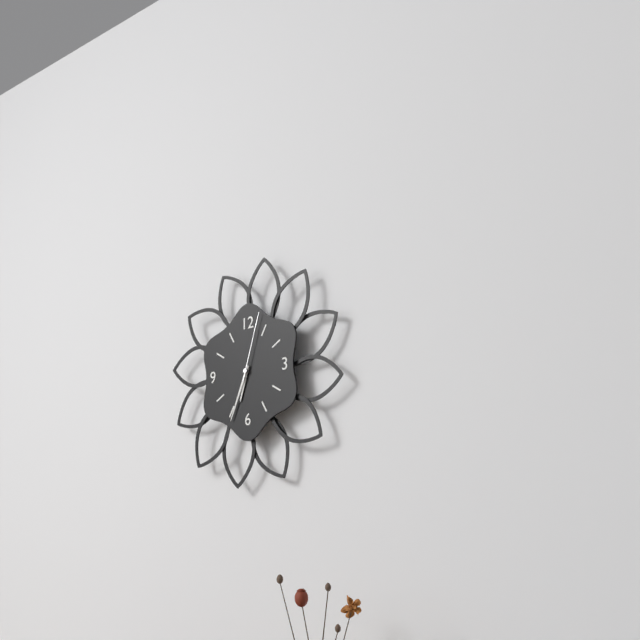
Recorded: h=6 m=34 s=3
